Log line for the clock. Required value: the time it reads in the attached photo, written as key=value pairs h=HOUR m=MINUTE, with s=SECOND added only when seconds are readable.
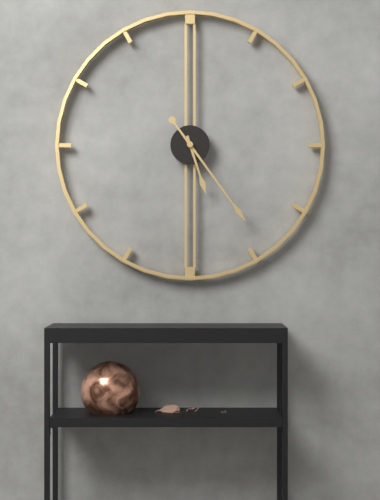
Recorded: h=5 m=24
